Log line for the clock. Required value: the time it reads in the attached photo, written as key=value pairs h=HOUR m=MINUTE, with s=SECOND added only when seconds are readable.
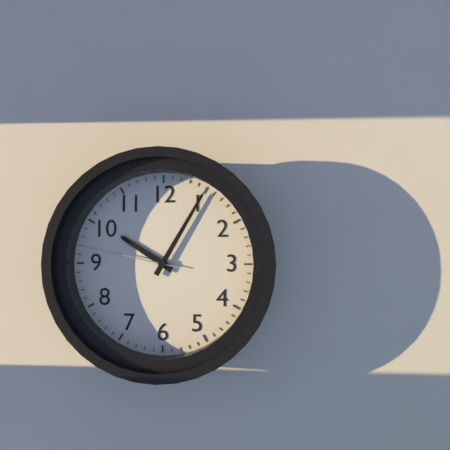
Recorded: h=10 m=5 s=47
